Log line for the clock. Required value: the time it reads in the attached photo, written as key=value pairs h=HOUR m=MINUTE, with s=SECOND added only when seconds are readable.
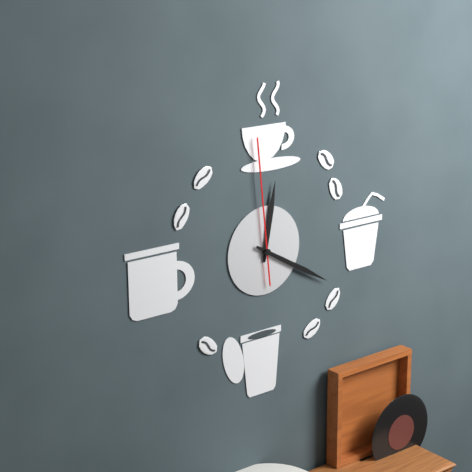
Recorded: h=12 m=20 s=59
